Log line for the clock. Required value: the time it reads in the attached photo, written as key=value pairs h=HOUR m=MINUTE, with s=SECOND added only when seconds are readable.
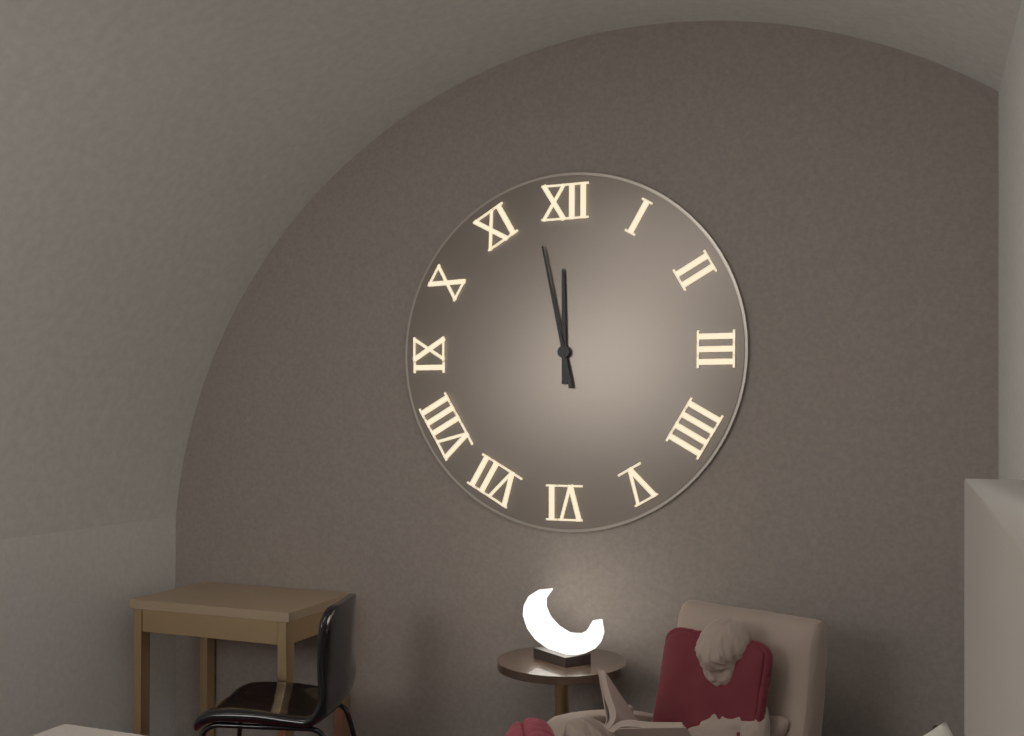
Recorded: h=11 m=58
